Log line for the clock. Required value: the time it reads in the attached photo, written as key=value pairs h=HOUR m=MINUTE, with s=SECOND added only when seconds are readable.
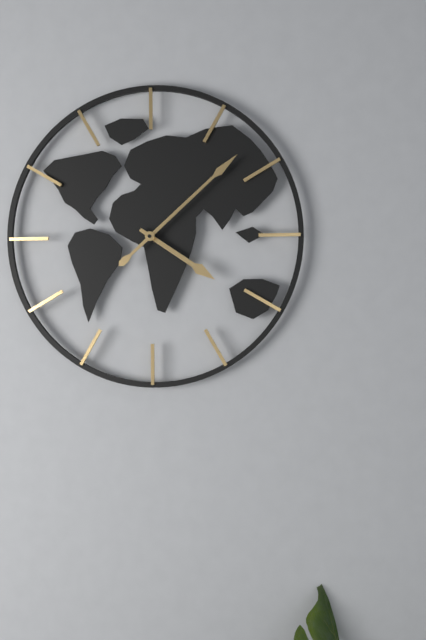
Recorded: h=4 m=8
